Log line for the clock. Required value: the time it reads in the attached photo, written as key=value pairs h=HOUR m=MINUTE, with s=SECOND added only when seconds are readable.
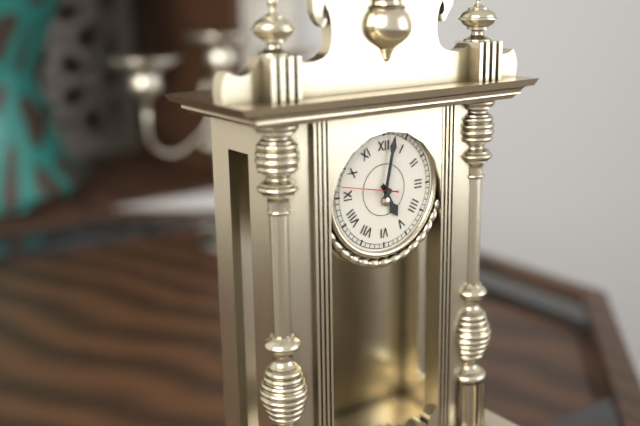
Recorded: h=5 m=2 s=47
